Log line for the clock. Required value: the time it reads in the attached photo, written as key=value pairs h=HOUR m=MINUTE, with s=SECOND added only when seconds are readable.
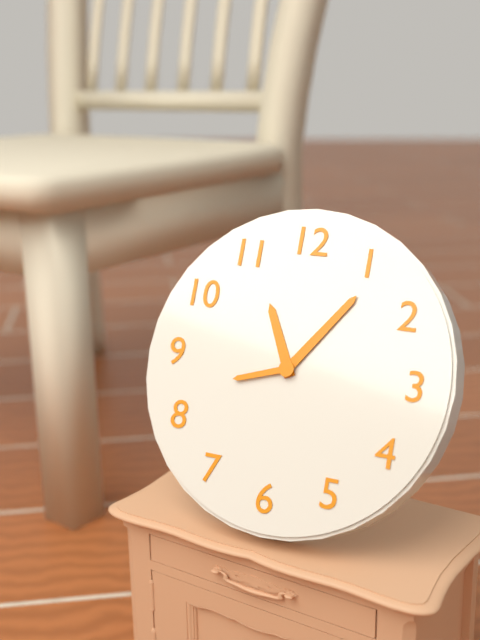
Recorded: h=11 m=6 s=42
